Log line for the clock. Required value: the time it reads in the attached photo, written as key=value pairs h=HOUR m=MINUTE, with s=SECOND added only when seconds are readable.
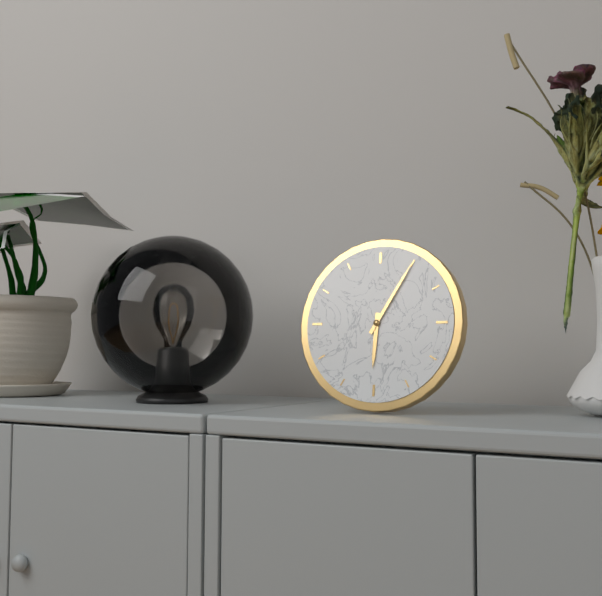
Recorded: h=6 m=5
